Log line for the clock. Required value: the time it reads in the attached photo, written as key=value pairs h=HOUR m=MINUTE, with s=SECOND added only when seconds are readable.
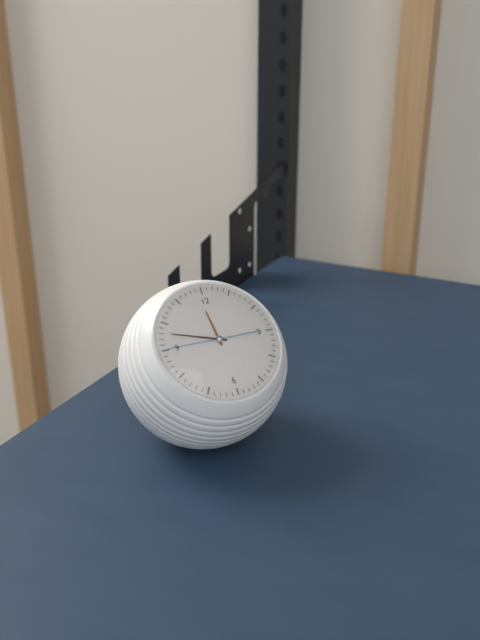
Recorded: h=11 m=48 s=45
